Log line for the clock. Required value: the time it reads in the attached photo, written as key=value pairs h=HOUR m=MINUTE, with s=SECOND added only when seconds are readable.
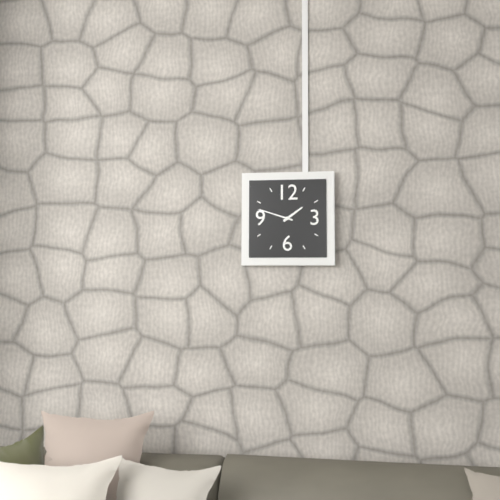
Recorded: h=1 m=48
